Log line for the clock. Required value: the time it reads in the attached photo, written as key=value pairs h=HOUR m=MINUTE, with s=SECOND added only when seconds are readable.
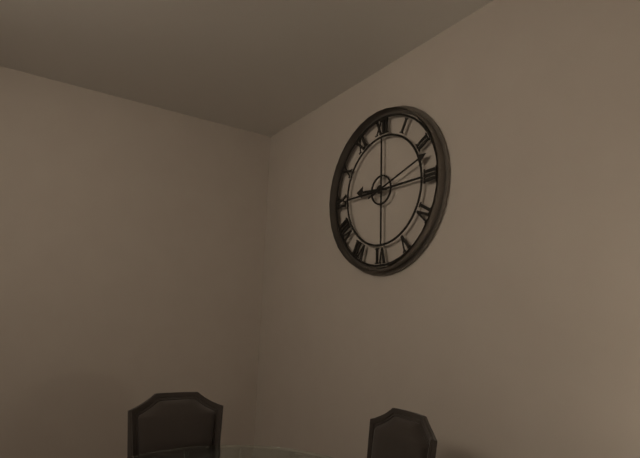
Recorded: h=9 m=12
